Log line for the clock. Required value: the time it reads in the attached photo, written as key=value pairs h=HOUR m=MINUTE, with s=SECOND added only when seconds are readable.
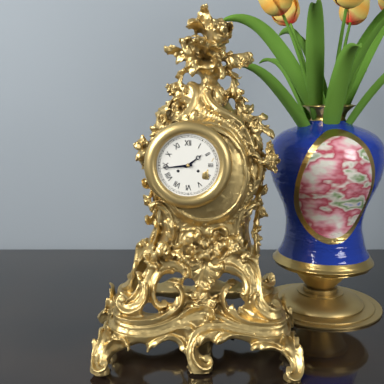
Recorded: h=1 m=44
